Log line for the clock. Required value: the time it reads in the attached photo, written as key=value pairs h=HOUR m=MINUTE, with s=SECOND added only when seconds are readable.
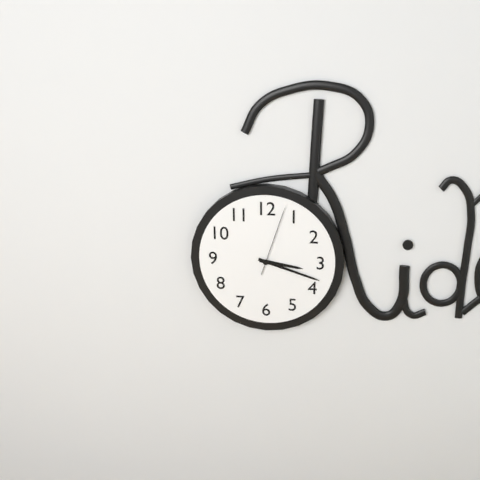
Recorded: h=3 m=18 s=3
